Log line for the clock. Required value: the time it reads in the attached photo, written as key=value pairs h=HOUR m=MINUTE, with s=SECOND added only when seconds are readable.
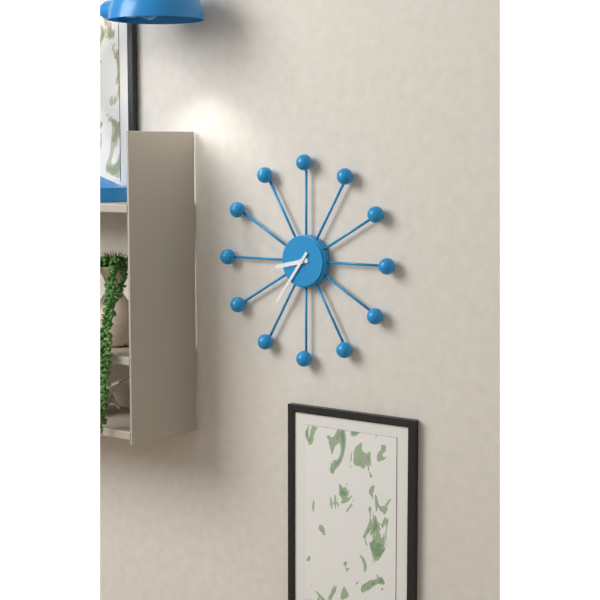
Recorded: h=8 m=36
